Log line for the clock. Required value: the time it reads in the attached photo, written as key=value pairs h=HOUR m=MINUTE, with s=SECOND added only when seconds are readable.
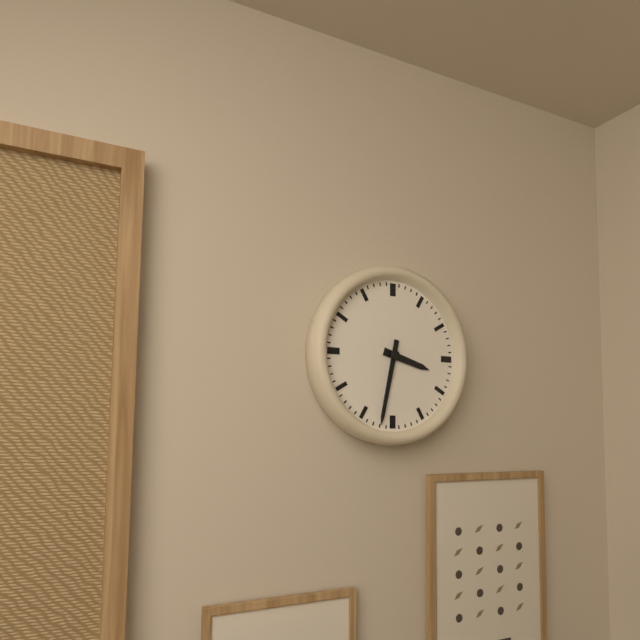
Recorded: h=3 m=32
